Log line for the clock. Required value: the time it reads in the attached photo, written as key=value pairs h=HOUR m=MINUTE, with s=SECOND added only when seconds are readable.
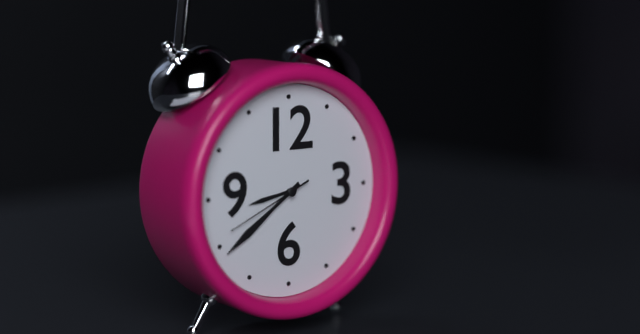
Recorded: h=8 m=39 s=41
